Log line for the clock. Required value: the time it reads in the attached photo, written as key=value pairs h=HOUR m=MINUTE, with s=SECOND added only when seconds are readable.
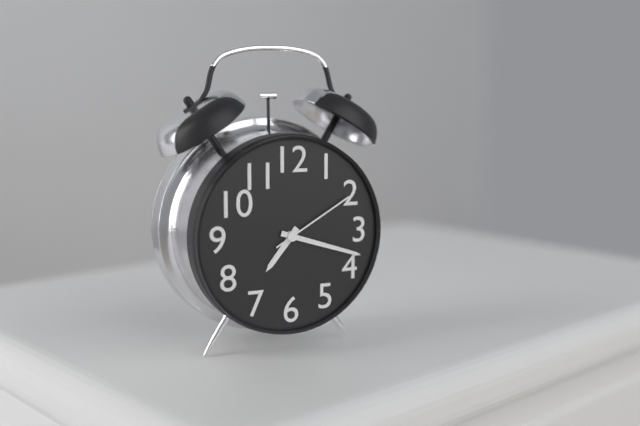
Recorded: h=7 m=18 s=10
